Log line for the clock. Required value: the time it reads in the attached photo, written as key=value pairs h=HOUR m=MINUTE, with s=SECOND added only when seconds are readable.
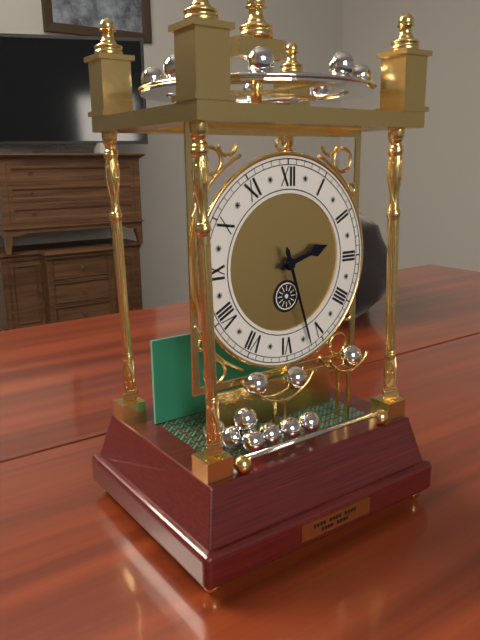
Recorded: h=2 m=27
